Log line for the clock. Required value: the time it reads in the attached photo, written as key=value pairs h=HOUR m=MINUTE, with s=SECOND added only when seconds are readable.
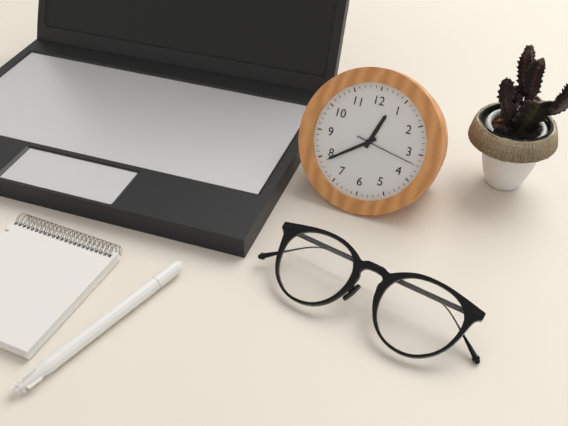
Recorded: h=12 m=39 s=17
